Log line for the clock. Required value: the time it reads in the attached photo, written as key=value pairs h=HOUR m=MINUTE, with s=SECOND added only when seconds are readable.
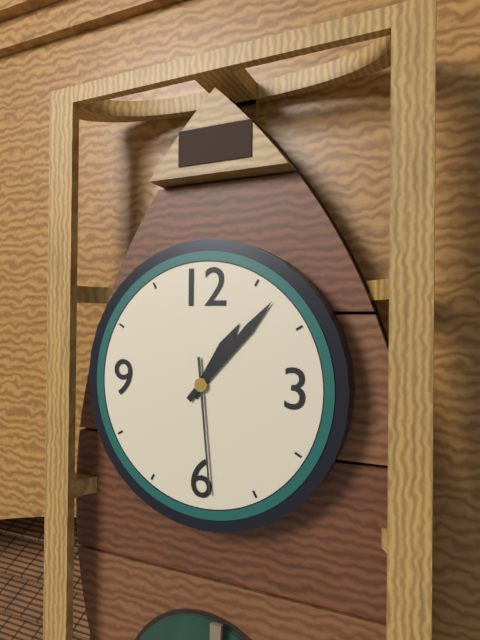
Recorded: h=1 m=7 s=29
